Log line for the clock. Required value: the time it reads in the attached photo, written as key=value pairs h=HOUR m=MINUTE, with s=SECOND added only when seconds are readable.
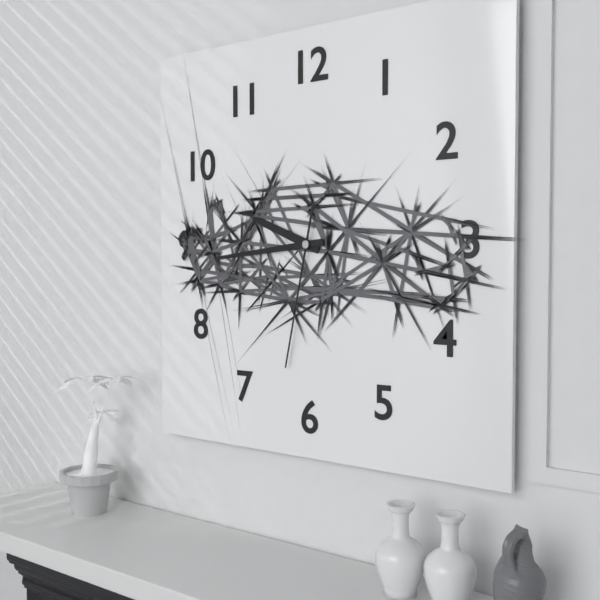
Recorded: h=9 m=44 s=32
